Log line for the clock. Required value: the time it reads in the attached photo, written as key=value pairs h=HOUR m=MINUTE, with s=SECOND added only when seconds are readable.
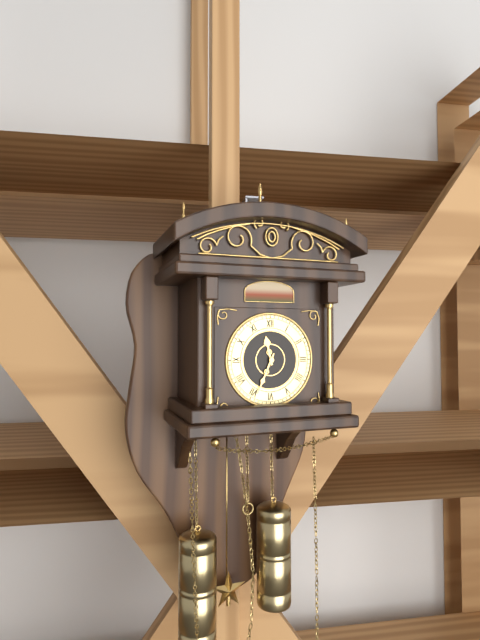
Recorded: h=11 m=34
